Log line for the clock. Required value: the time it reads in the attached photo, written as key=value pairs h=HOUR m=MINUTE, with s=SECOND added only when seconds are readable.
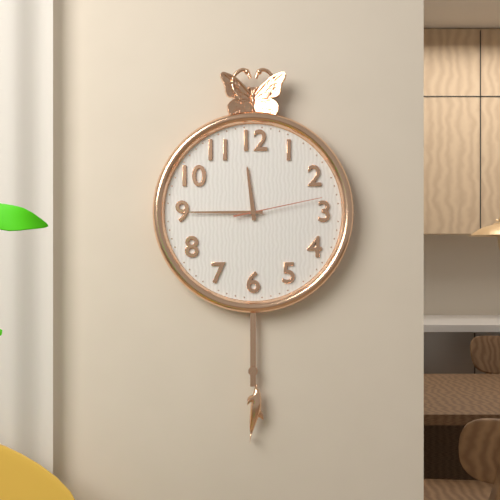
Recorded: h=11 m=45 s=13
